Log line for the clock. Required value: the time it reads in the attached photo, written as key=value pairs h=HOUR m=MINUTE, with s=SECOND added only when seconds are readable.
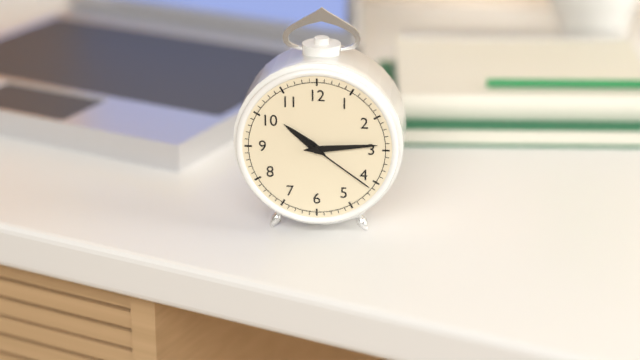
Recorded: h=10 m=14 s=21
